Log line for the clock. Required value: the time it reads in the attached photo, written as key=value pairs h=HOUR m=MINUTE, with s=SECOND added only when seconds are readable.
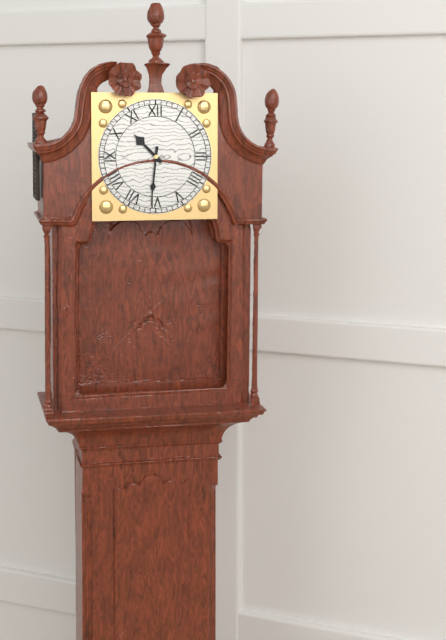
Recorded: h=10 m=31
